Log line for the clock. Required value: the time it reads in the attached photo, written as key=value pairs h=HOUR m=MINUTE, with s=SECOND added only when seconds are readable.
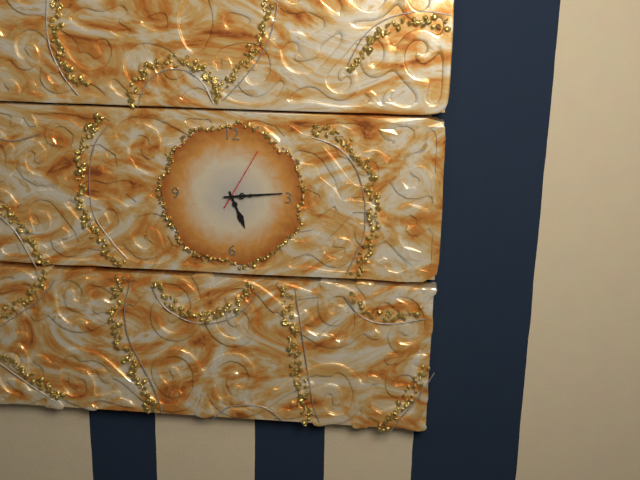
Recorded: h=5 m=14 s=5
